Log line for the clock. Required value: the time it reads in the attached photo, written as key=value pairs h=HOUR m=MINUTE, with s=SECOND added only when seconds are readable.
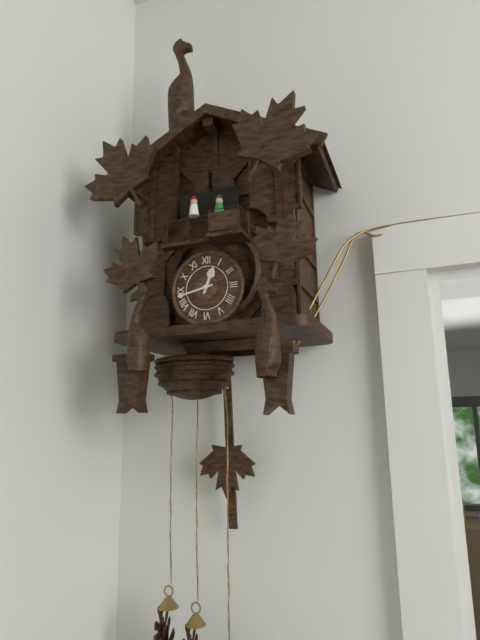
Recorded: h=12 m=43
